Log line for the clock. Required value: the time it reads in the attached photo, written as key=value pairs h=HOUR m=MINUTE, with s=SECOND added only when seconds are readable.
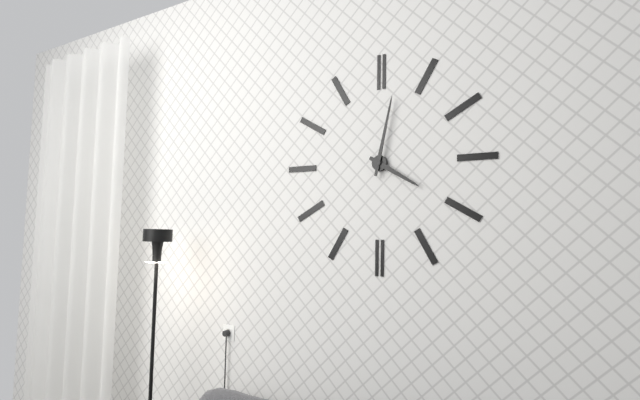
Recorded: h=4 m=2
